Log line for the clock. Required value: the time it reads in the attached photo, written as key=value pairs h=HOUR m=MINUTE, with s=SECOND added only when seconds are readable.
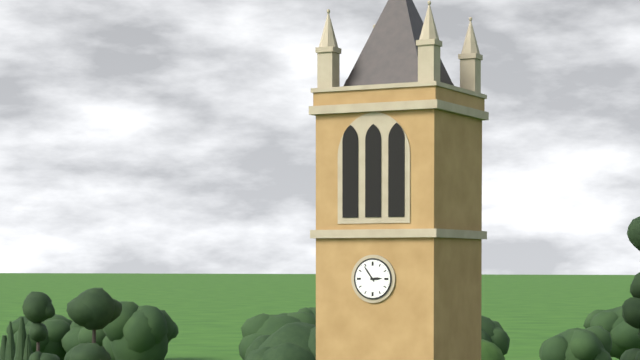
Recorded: h=2 m=54
